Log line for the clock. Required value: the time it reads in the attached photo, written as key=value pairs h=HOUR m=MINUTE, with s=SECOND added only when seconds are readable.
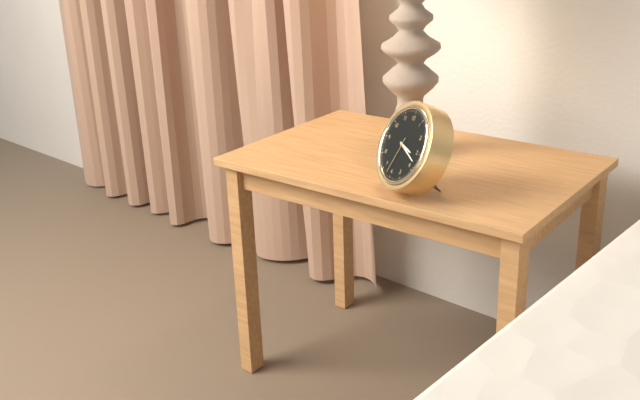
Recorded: h=3 m=18
